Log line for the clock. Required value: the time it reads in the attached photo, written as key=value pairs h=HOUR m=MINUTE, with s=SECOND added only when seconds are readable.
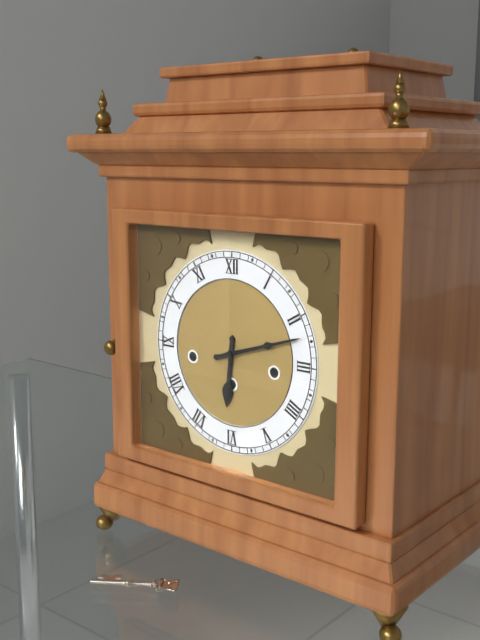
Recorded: h=6 m=12
